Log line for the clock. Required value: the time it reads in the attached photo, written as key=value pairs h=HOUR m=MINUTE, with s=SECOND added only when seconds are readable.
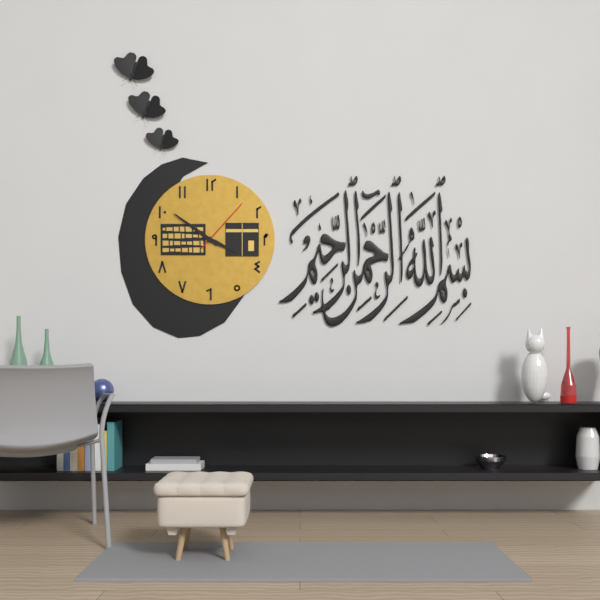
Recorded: h=3 m=51 s=7
